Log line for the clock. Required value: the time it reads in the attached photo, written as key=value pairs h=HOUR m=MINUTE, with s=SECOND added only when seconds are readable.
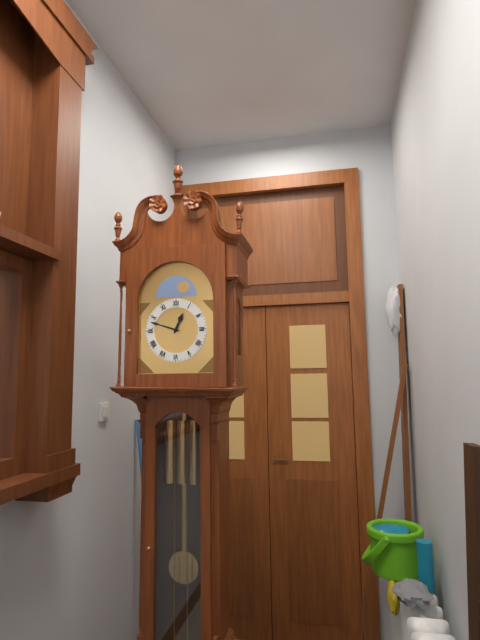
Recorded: h=12 m=48
